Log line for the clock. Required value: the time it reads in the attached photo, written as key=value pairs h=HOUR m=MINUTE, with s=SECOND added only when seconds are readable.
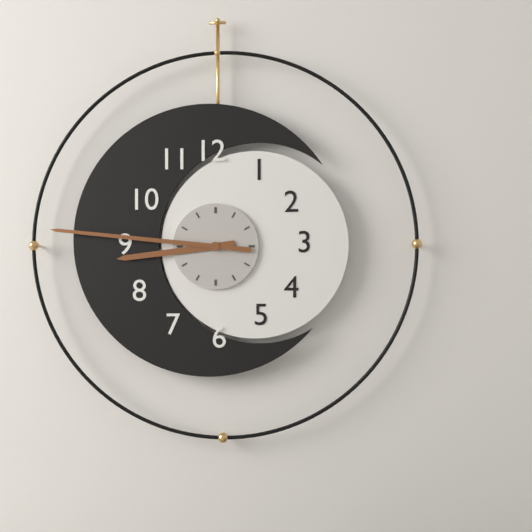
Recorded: h=8 m=46
